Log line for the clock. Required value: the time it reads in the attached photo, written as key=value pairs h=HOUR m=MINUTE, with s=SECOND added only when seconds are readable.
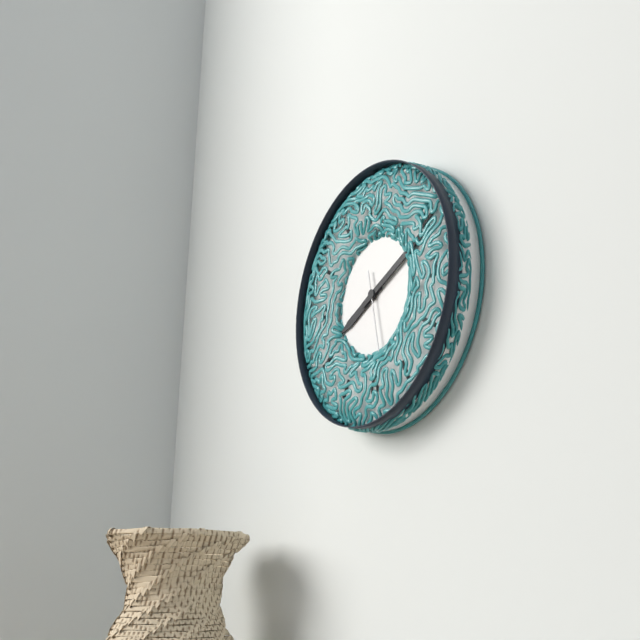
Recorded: h=8 m=11 s=28
